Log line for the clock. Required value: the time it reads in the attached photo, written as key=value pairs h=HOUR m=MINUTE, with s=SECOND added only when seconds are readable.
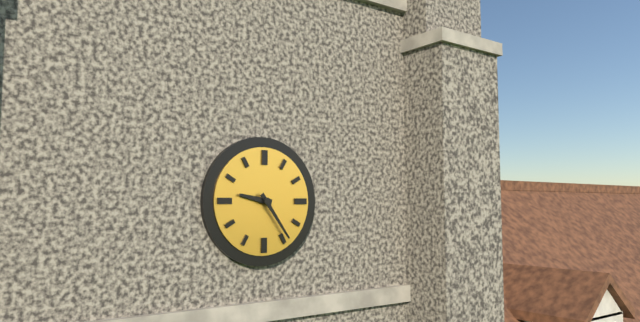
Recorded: h=9 m=24
